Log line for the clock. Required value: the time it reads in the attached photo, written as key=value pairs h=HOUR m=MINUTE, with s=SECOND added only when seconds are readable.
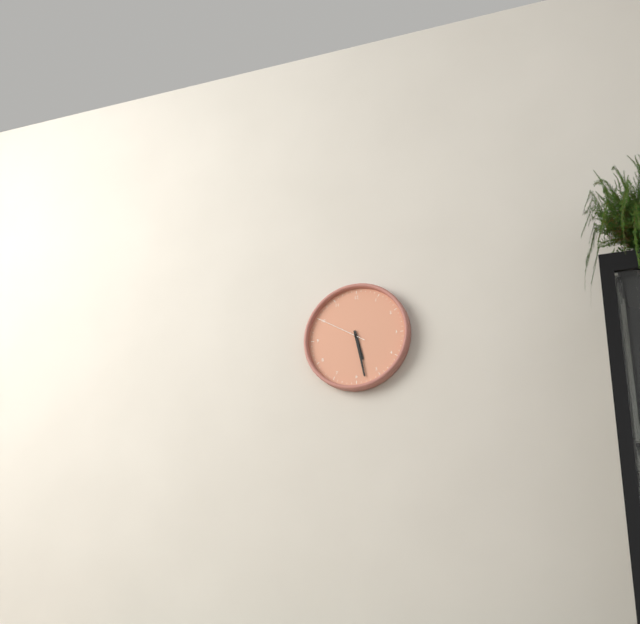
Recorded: h=5 m=28 s=50
